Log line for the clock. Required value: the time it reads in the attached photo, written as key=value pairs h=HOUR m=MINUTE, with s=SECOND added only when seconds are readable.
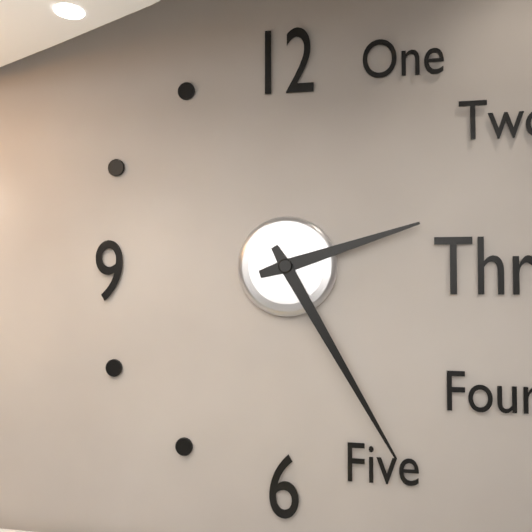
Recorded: h=2 m=25
